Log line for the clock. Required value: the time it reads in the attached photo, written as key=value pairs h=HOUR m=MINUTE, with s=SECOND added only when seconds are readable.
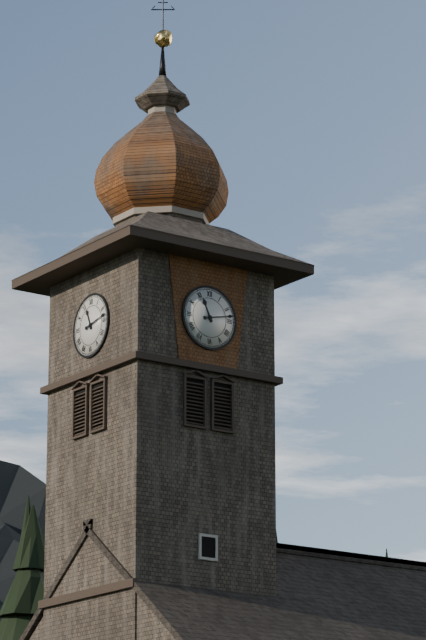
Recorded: h=11 m=13
